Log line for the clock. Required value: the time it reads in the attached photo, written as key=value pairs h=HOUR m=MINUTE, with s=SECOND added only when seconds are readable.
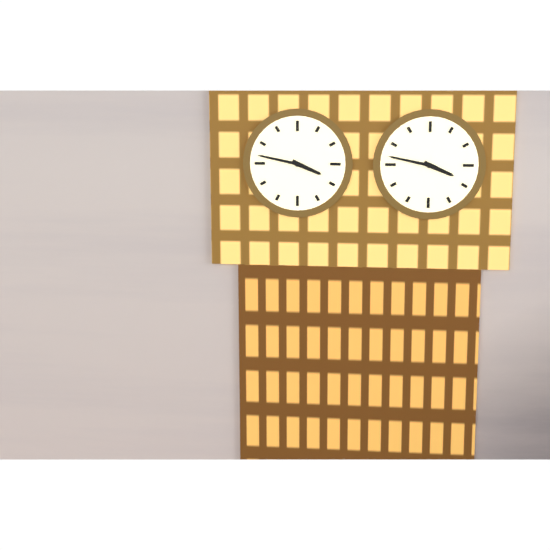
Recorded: h=3 m=47
